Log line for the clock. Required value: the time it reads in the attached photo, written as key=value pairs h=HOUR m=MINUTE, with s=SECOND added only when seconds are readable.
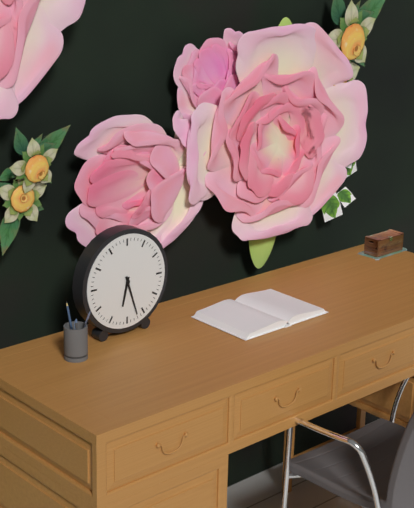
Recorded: h=6 m=27
